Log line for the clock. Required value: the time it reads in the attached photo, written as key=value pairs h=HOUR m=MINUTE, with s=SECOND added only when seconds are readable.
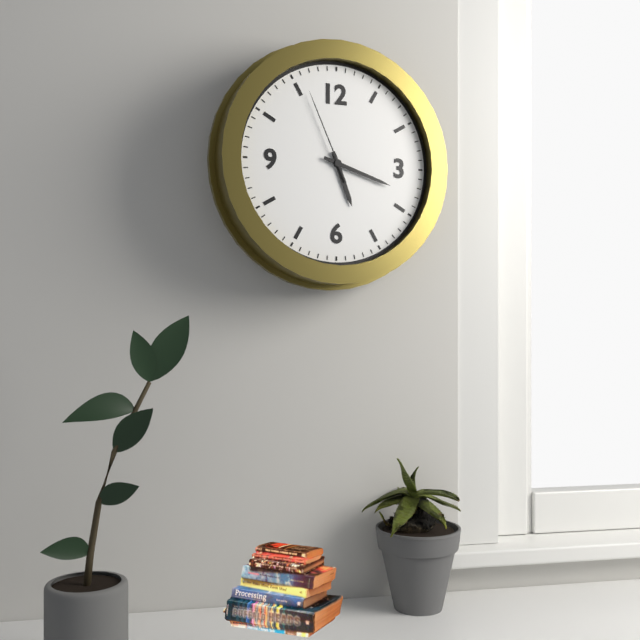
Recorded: h=5 m=18 s=56
